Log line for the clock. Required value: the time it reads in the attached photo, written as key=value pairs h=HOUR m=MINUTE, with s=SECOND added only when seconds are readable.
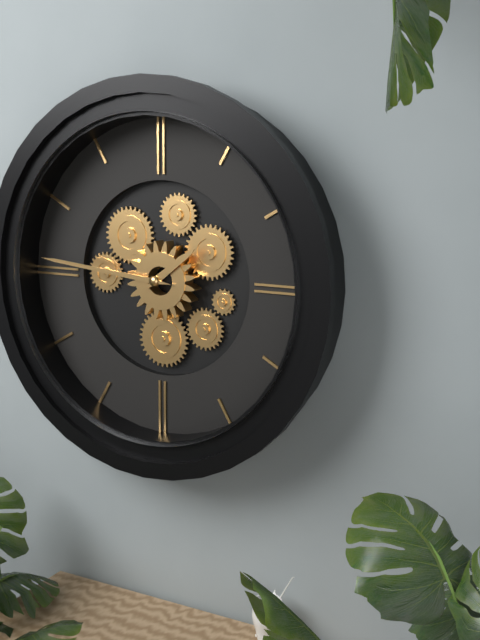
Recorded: h=1 m=46
